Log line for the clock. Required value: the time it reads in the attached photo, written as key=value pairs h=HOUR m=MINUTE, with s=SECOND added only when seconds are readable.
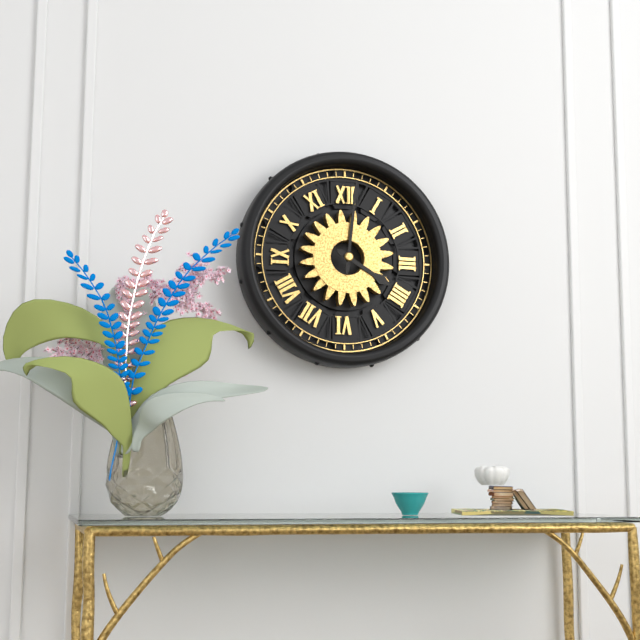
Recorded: h=4 m=1
